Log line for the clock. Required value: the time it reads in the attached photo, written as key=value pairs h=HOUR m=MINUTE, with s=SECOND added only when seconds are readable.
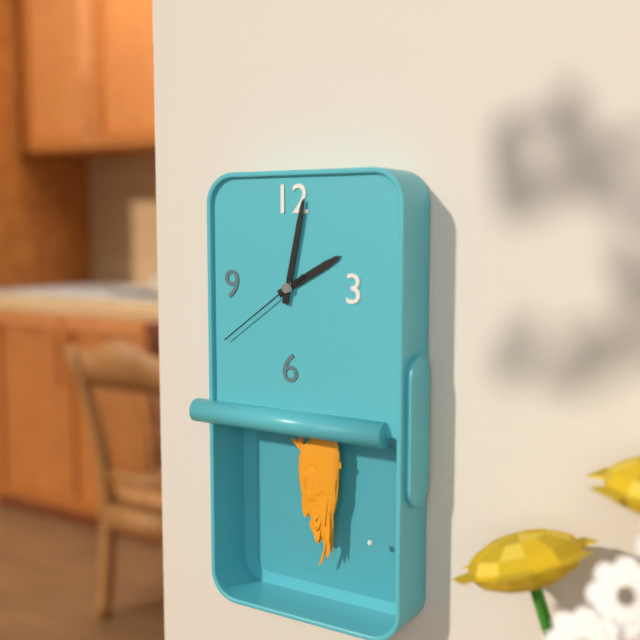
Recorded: h=2 m=2 s=39
